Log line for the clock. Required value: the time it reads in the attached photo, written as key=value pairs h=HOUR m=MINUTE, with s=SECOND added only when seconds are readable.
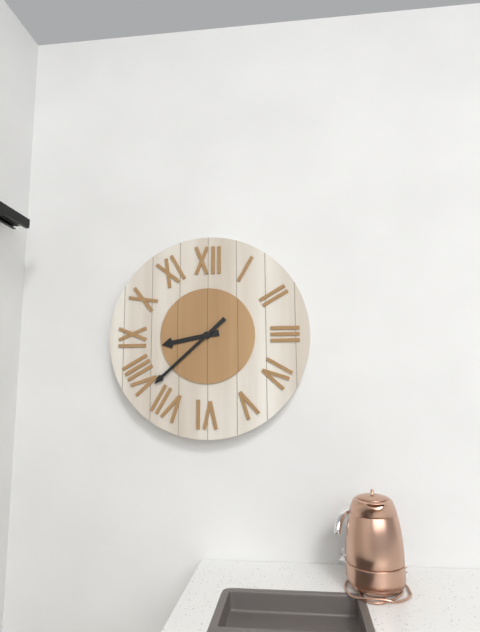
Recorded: h=8 m=38
